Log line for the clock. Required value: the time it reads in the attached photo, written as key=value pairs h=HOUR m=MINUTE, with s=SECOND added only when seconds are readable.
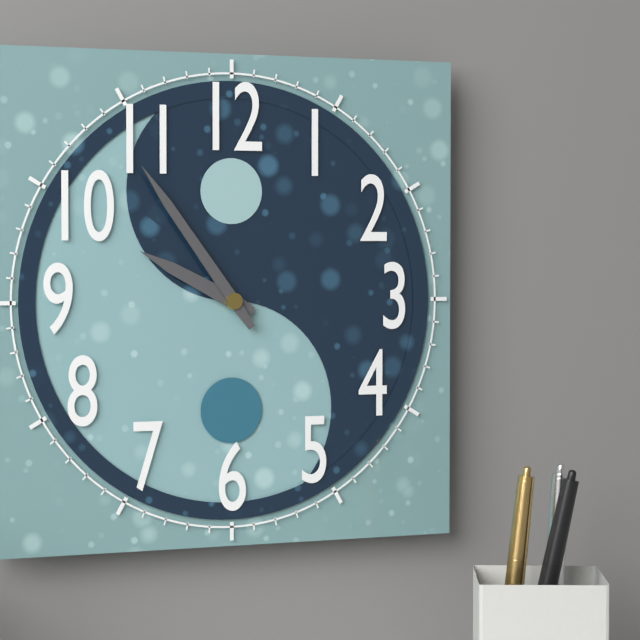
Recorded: h=9 m=54
